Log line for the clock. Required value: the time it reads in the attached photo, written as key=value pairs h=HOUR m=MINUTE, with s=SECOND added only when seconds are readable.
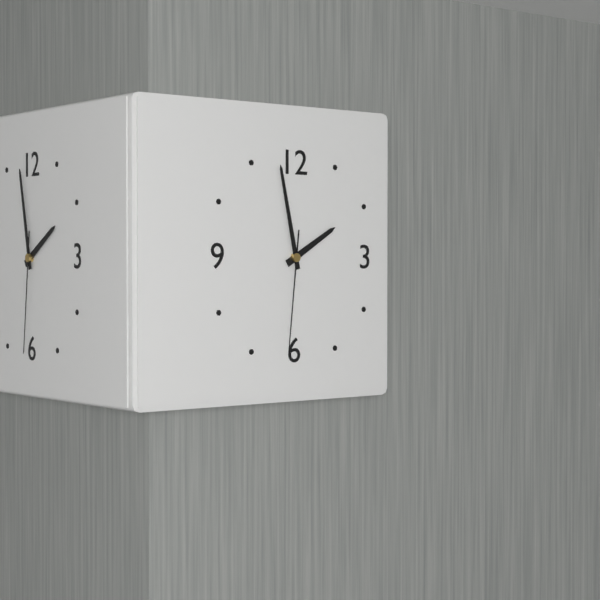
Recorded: h=1 m=58 s=31
